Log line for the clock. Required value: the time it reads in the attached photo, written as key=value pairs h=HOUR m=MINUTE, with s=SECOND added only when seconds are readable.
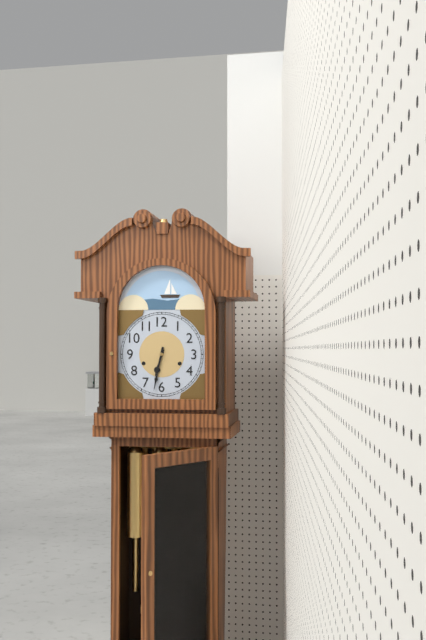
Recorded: h=6 m=32
